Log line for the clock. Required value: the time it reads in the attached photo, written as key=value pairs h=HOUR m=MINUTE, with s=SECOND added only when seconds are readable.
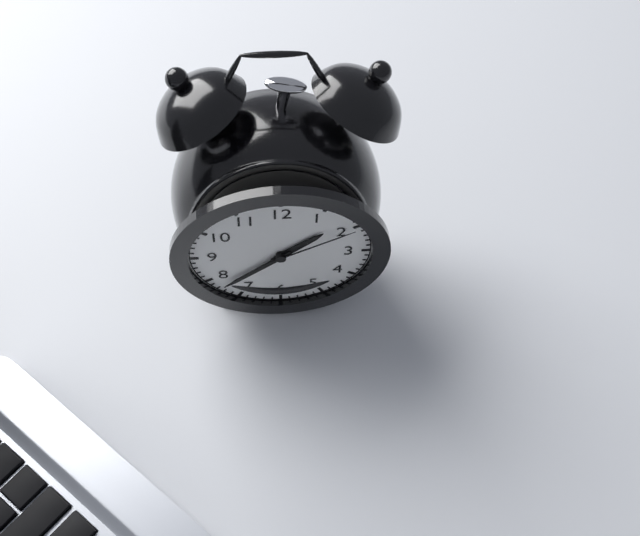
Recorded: h=1 m=38 s=10
